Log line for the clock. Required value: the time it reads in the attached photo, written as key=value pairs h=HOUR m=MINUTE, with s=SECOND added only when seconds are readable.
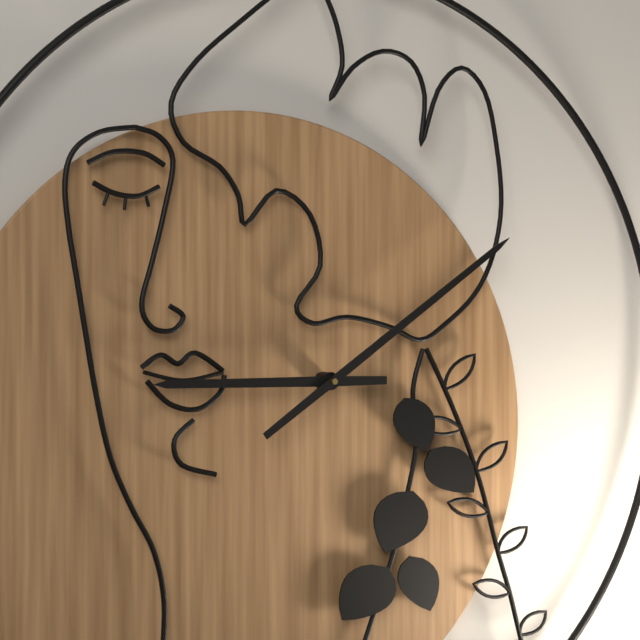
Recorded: h=9 m=10
